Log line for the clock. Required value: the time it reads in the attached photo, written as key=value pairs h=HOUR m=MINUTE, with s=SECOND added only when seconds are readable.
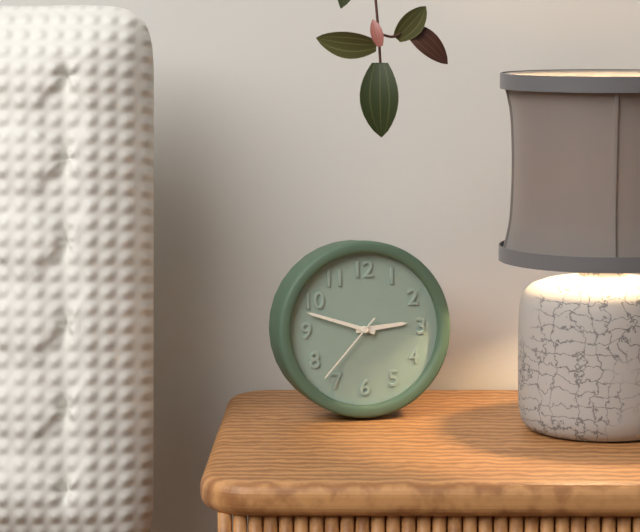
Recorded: h=2 m=48 s=37
